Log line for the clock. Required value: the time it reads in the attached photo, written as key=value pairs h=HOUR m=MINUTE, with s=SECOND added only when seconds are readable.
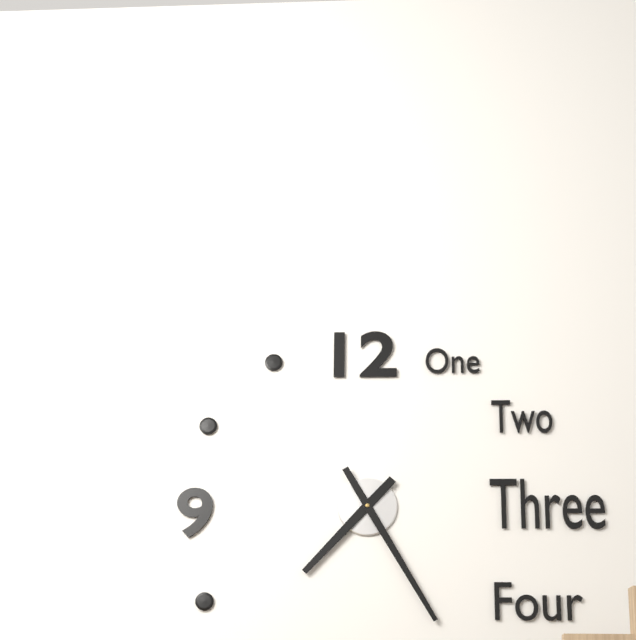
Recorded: h=7 m=25
